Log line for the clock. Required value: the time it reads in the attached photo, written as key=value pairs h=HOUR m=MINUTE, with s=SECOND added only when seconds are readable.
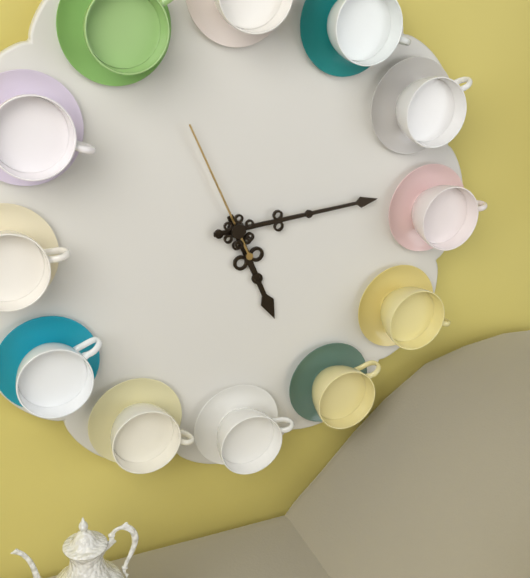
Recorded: h=5 m=14 s=56
